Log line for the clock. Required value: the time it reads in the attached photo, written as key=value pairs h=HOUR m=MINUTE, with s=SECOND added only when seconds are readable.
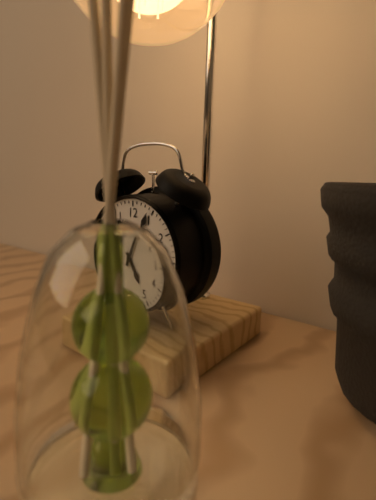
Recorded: h=5 m=4
